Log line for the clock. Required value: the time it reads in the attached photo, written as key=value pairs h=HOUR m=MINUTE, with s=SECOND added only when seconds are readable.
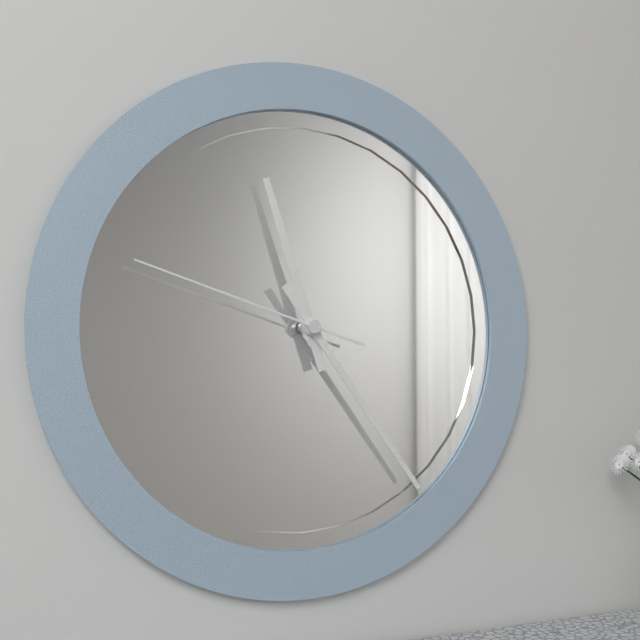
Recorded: h=11 m=24 s=48
